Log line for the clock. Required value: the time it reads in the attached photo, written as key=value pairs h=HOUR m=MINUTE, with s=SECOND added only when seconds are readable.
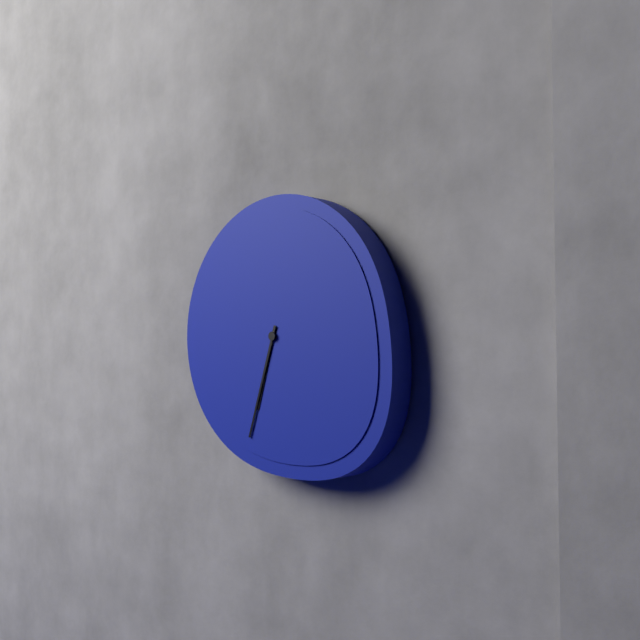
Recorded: h=6 m=33
